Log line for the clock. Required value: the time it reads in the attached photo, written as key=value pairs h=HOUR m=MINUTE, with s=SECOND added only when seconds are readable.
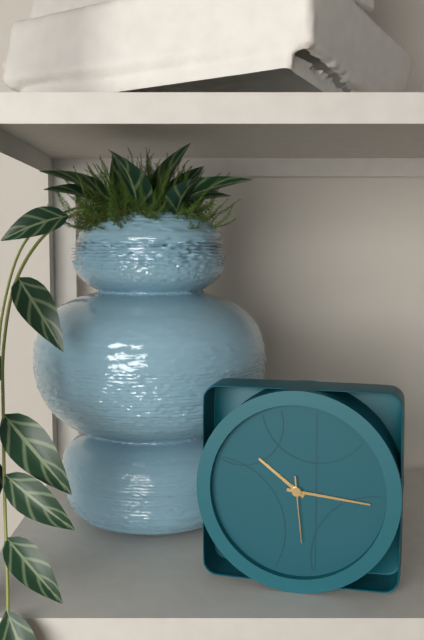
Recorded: h=10 m=16 s=29
